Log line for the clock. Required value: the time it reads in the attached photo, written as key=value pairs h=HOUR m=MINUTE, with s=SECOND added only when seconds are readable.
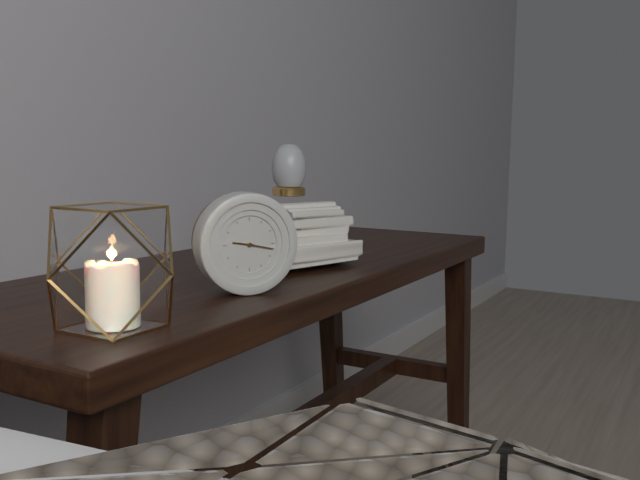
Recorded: h=9 m=17
